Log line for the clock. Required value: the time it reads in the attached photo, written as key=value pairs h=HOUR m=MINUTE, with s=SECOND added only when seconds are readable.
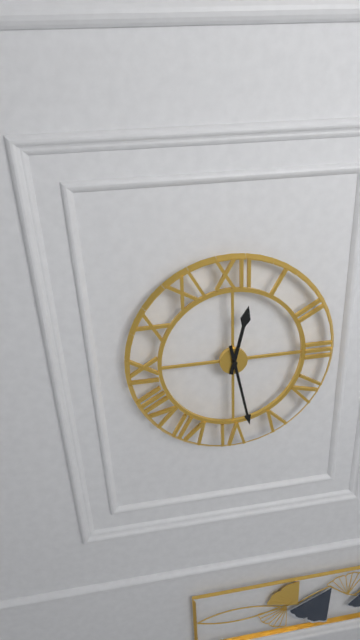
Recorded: h=12 m=28
